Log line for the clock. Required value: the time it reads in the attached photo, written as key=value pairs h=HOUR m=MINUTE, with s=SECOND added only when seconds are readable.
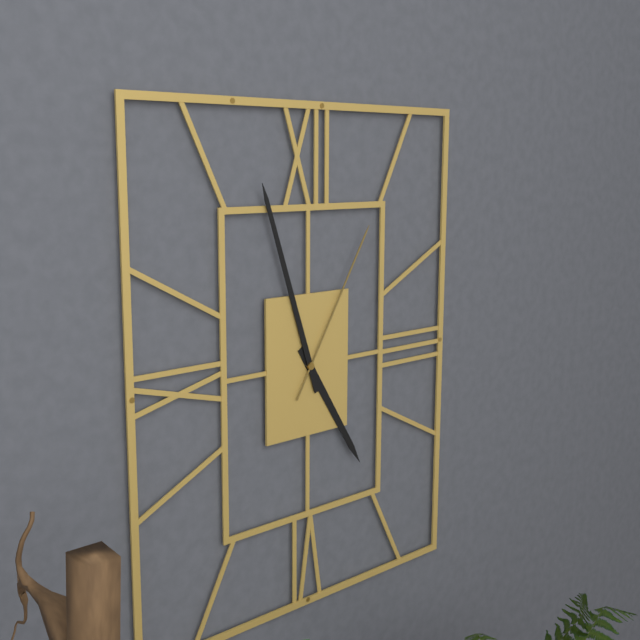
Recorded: h=4 m=57 s=5
